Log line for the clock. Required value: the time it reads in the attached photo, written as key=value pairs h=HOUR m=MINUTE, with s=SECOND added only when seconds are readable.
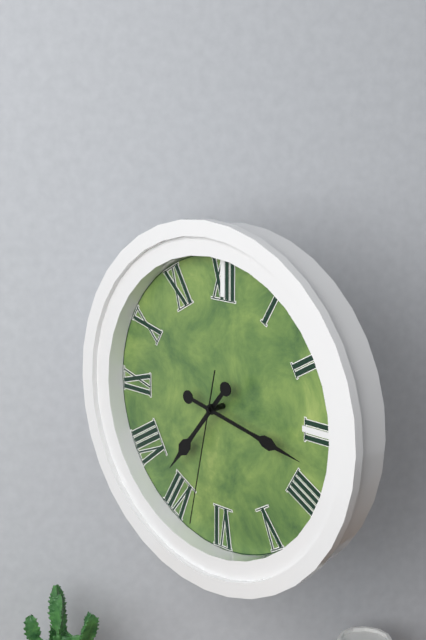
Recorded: h=7 m=17 s=32
